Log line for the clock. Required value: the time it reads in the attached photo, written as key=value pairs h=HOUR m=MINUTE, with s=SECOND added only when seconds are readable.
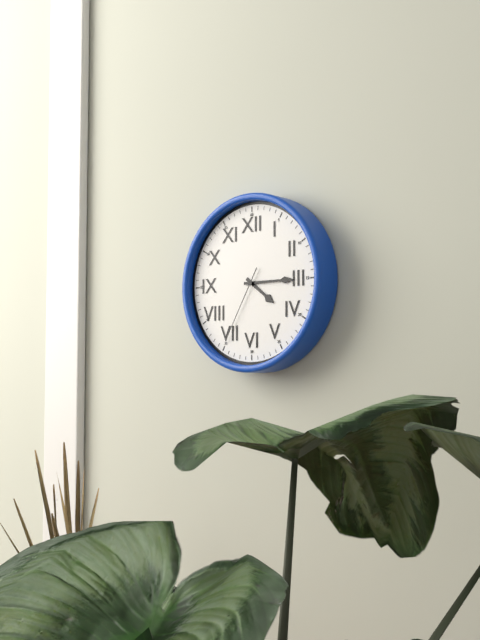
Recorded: h=4 m=15 s=35
